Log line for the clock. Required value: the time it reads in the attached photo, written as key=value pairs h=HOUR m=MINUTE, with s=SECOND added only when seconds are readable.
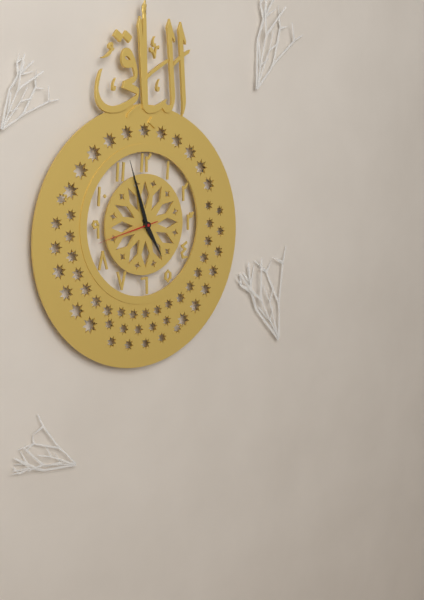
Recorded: h=4 m=57 s=43
